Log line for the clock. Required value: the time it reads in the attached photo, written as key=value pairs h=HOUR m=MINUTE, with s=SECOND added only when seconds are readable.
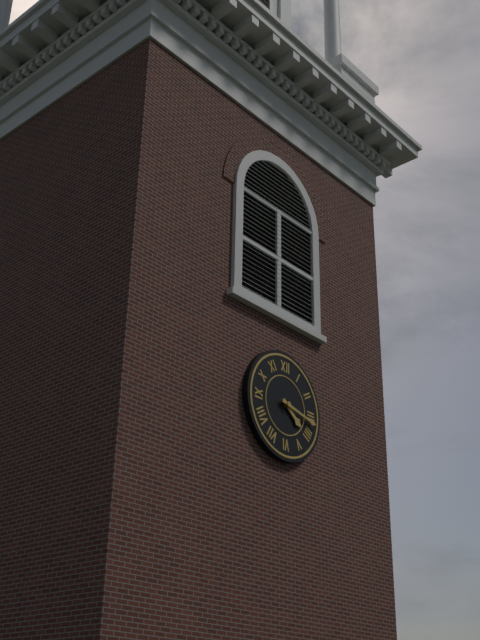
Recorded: h=4 m=17
